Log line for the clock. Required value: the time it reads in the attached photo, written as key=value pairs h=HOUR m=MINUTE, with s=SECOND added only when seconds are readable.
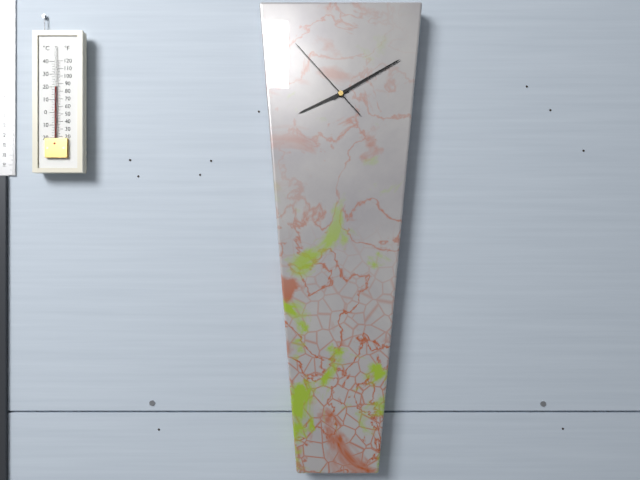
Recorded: h=8 m=10 s=53
